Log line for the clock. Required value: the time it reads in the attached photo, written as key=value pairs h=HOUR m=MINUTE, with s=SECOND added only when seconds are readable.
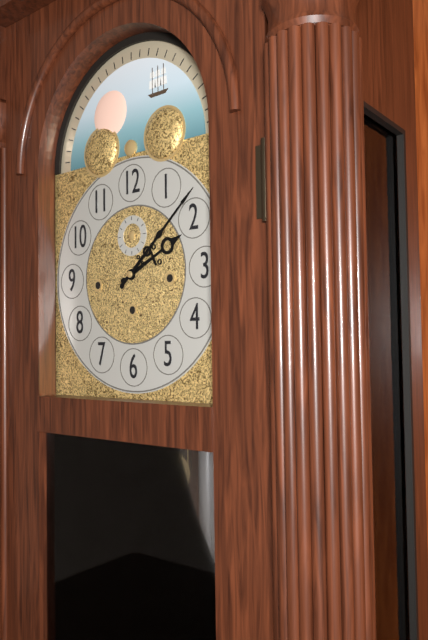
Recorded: h=2 m=8
